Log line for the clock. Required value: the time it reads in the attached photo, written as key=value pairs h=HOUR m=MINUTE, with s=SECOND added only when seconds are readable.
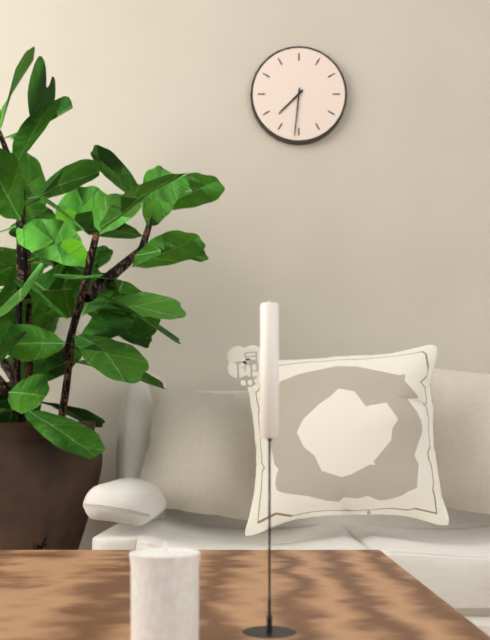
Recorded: h=7 m=31
